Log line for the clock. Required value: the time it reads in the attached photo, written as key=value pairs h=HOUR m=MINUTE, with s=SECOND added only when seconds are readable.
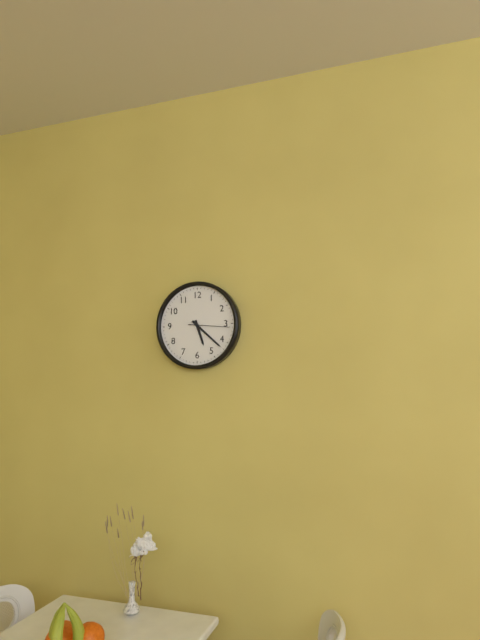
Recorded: h=5 m=22
